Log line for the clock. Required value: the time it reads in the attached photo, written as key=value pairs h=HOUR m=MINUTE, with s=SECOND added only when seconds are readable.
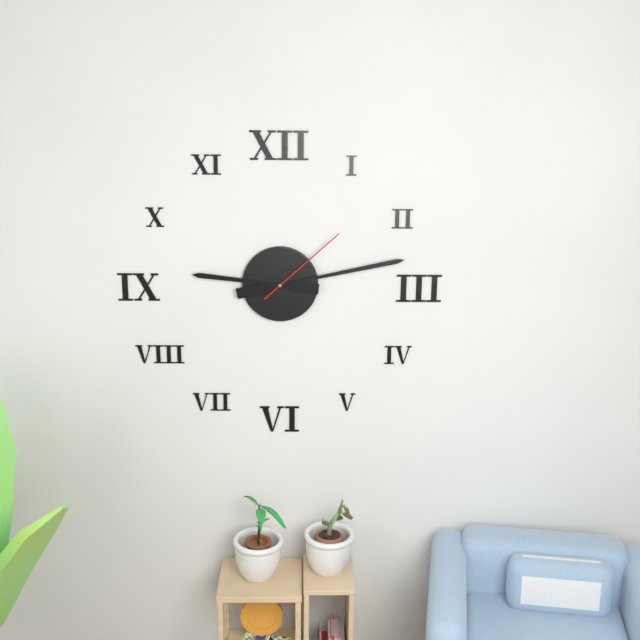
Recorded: h=9 m=13 s=8
